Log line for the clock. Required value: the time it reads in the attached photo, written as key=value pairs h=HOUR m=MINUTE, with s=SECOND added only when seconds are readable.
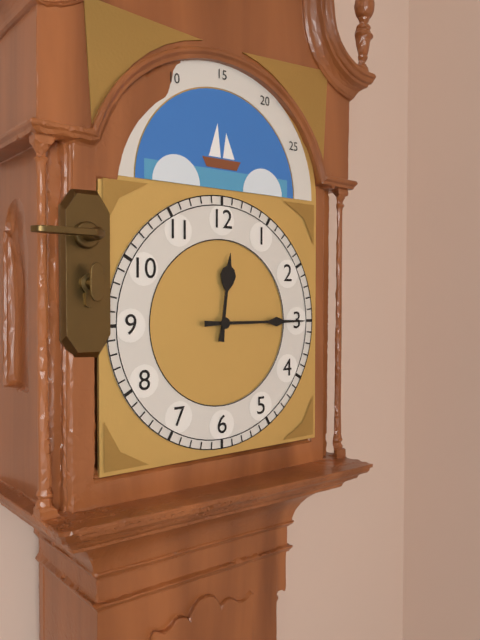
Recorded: h=12 m=15
